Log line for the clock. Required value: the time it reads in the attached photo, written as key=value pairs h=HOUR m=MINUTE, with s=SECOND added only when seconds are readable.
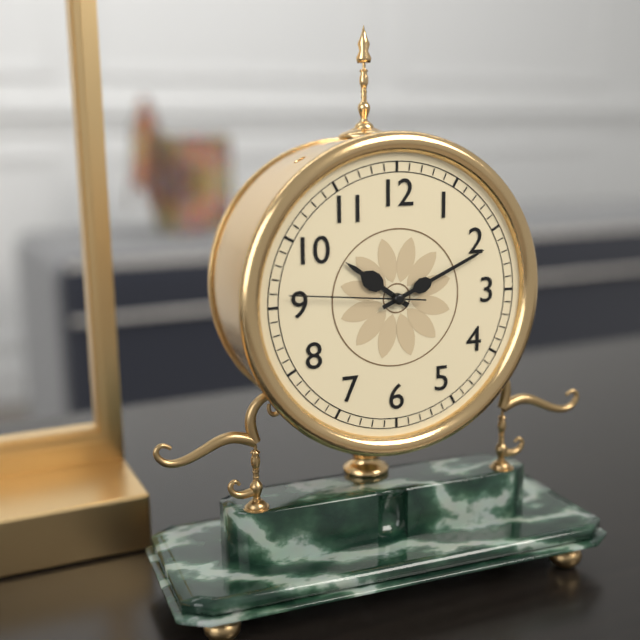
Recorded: h=10 m=11 s=46
